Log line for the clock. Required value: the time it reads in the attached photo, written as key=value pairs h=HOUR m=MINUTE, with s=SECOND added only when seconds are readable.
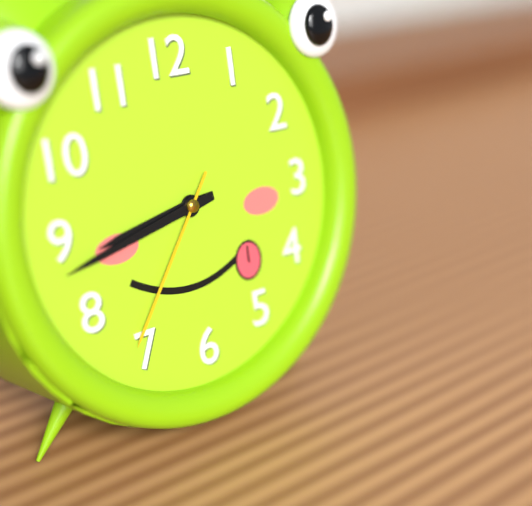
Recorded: h=8 m=43 s=36
